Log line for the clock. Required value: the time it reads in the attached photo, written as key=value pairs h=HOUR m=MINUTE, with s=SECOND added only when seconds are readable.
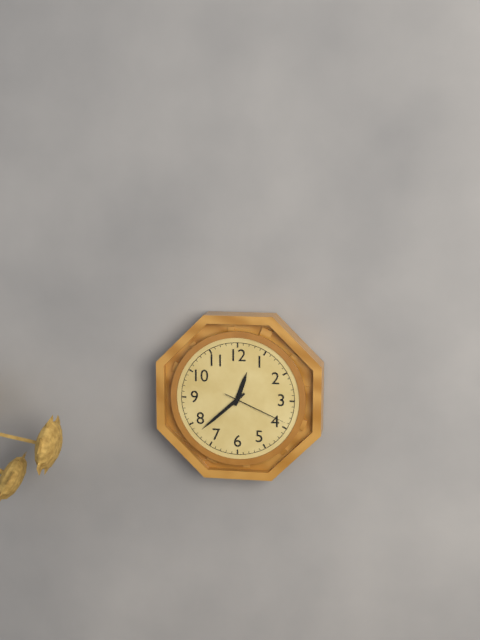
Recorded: h=12 m=38 s=19
